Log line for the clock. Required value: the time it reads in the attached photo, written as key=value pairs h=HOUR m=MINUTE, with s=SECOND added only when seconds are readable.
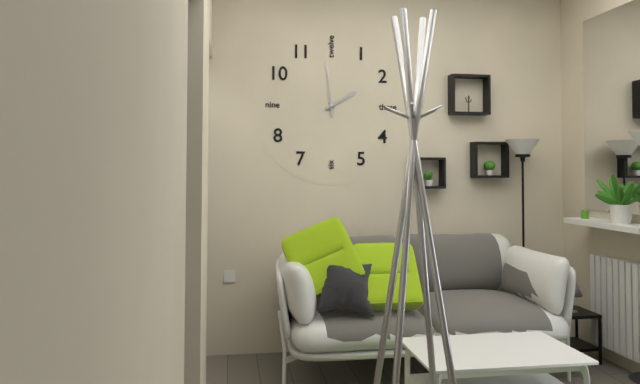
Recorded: h=1 m=59
